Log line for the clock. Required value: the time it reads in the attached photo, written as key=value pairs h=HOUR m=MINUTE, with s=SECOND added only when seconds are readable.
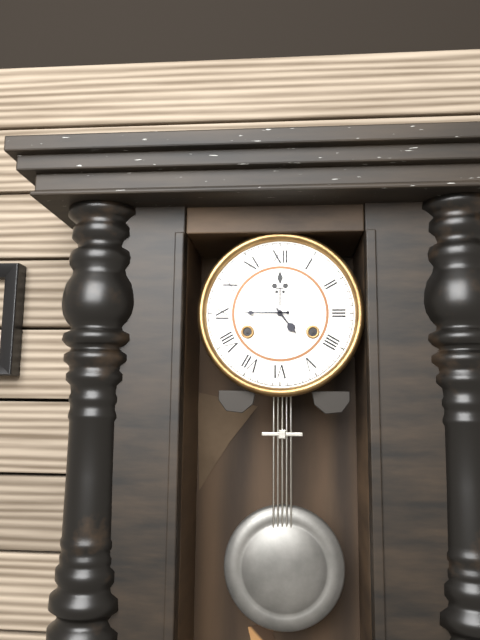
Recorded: h=4 m=45
